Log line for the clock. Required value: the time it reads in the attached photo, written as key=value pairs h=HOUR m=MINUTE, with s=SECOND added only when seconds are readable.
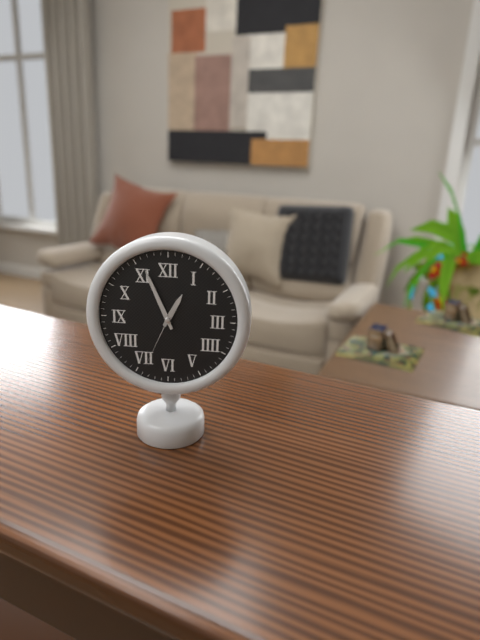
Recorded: h=12 m=56 s=34
